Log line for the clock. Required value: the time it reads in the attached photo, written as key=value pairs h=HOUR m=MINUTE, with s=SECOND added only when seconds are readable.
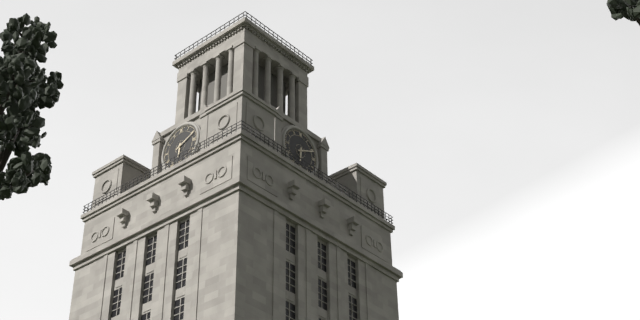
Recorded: h=6 m=11
